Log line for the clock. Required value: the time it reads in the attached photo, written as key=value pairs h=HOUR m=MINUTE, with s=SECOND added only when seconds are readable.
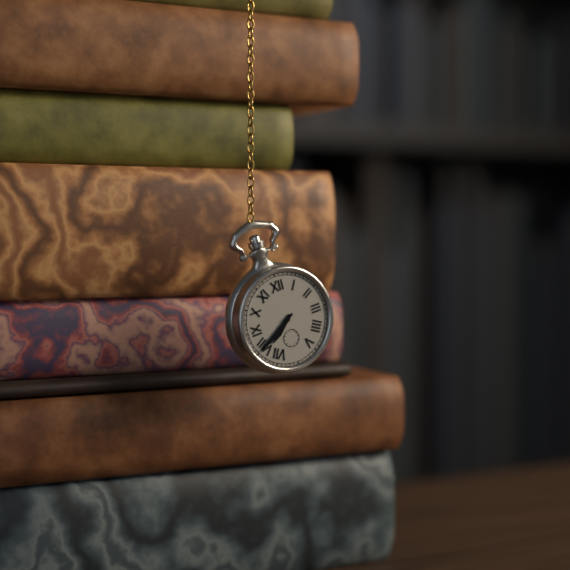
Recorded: h=7 m=40
